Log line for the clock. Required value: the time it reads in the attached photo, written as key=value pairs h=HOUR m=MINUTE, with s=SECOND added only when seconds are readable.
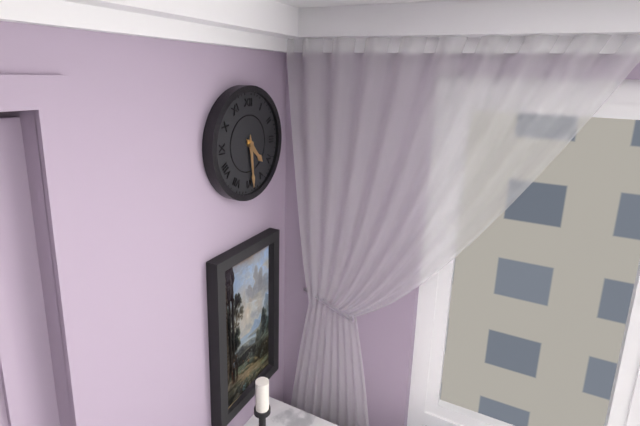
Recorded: h=4 m=29
